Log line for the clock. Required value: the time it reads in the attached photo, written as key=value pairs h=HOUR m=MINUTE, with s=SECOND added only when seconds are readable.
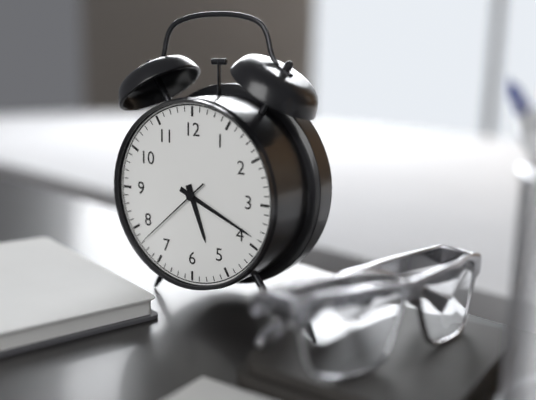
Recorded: h=5 m=19 s=38
